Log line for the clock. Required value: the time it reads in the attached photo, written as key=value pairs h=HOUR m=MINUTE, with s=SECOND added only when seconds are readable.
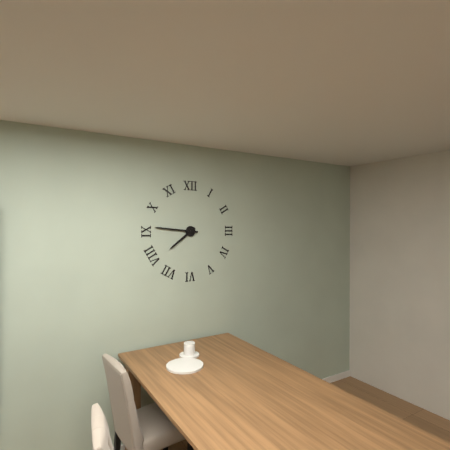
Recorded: h=7 m=46
